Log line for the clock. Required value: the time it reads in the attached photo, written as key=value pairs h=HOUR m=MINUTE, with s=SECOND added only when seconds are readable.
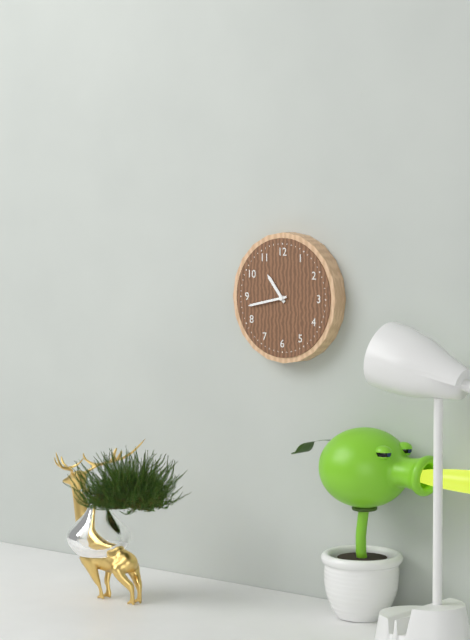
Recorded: h=10 m=43
